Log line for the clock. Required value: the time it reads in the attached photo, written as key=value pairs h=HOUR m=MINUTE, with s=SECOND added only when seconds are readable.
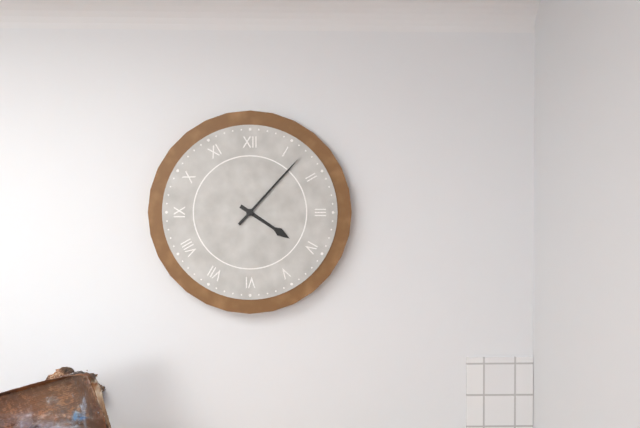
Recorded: h=4 m=7
